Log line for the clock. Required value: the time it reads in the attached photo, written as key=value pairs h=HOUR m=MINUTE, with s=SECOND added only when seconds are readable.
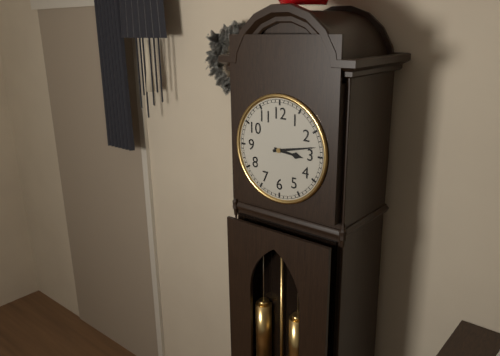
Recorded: h=3 m=13
